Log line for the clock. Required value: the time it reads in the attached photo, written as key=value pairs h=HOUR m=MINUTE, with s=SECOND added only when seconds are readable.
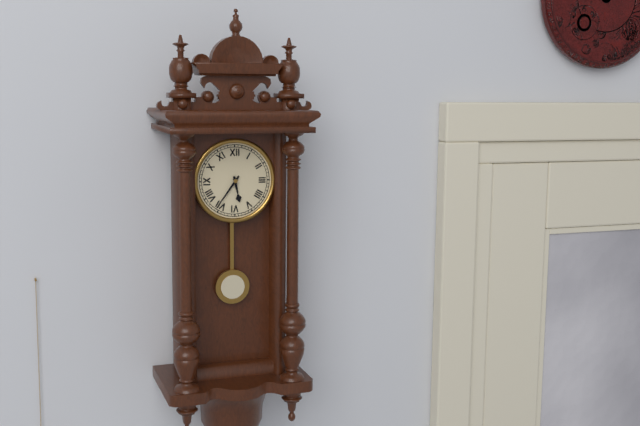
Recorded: h=5 m=36
